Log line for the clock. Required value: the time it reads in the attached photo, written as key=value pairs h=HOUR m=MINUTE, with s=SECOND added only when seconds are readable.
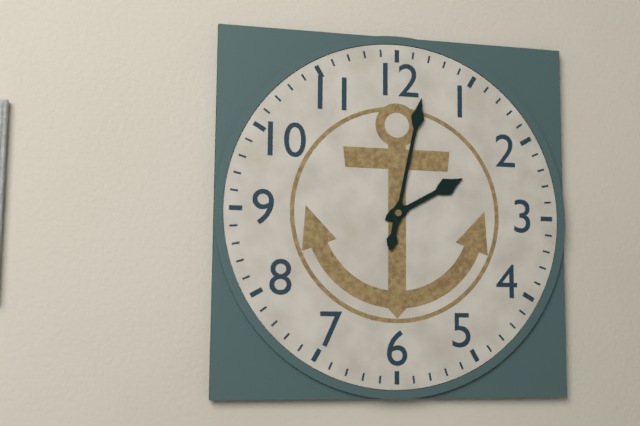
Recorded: h=2 m=2
